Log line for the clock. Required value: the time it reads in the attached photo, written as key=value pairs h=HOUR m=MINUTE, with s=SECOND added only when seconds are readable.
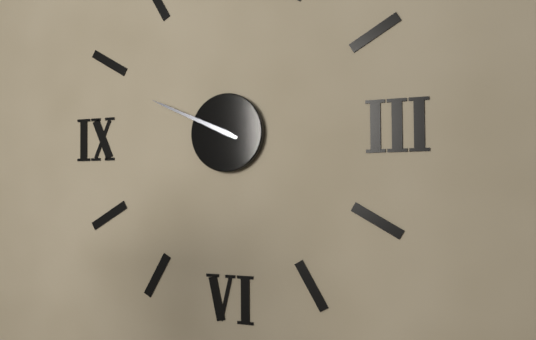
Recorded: h=9 m=49
